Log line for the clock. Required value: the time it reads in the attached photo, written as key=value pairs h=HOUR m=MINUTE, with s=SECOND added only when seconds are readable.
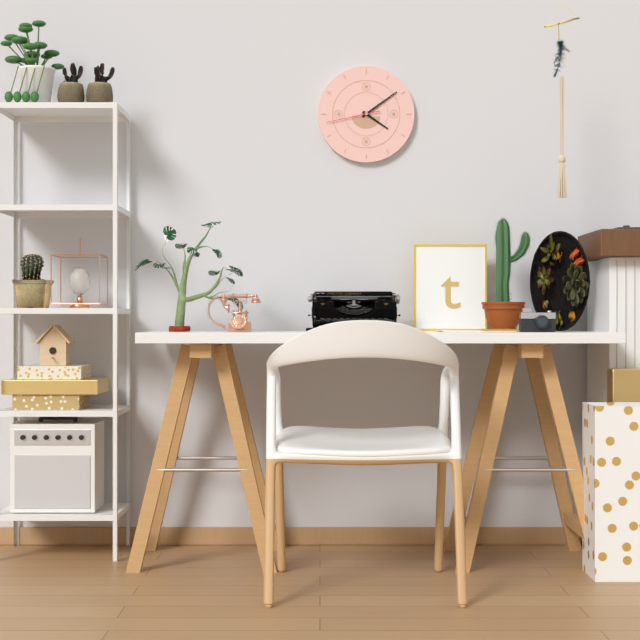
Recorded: h=4 m=9 s=43
